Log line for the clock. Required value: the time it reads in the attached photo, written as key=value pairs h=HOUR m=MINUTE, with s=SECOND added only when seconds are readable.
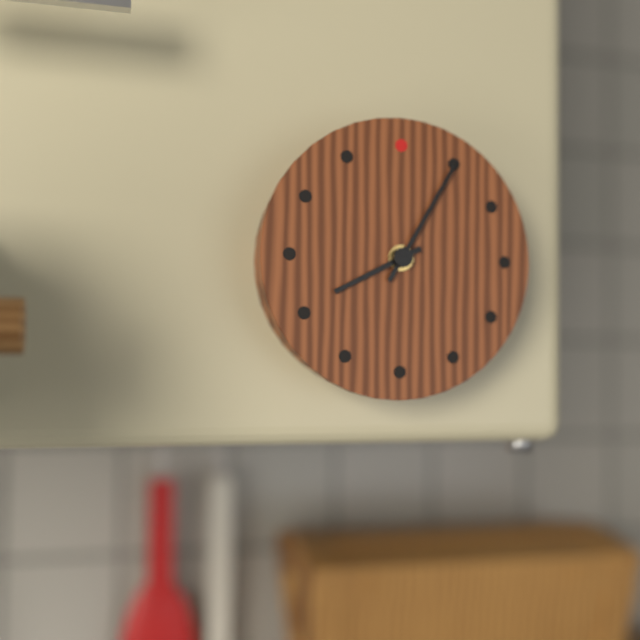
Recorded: h=8 m=5
